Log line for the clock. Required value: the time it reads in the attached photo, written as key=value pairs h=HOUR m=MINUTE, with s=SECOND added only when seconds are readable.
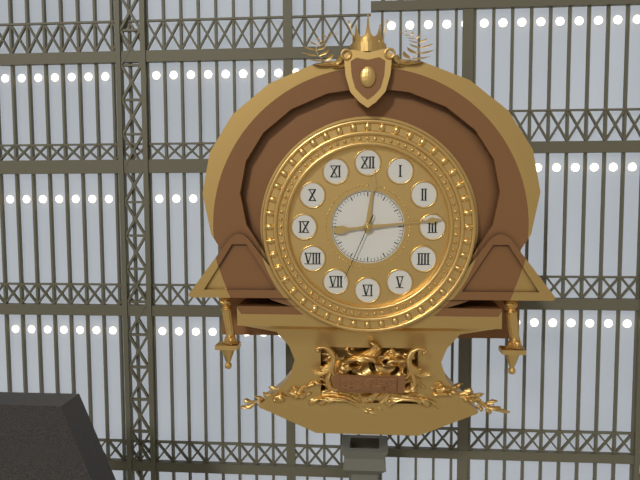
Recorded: h=12 m=14 s=34
